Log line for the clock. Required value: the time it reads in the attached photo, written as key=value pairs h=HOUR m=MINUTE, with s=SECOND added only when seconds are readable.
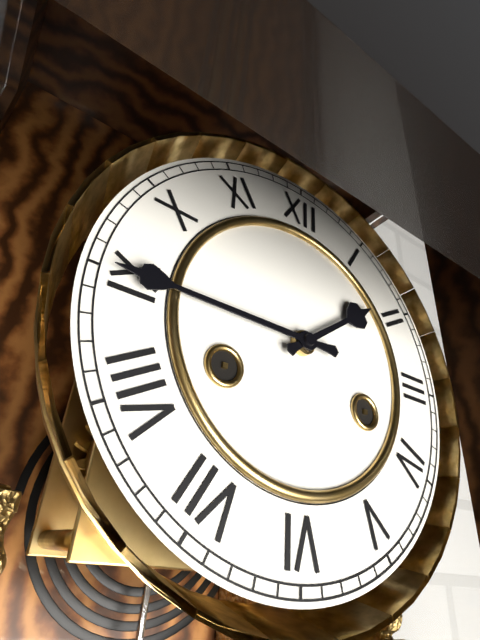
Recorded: h=1 m=45
